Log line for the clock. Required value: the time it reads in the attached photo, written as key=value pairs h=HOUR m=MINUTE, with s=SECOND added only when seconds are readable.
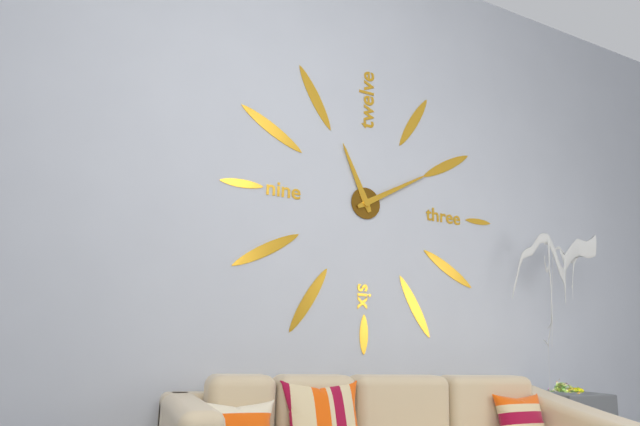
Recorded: h=11 m=10
